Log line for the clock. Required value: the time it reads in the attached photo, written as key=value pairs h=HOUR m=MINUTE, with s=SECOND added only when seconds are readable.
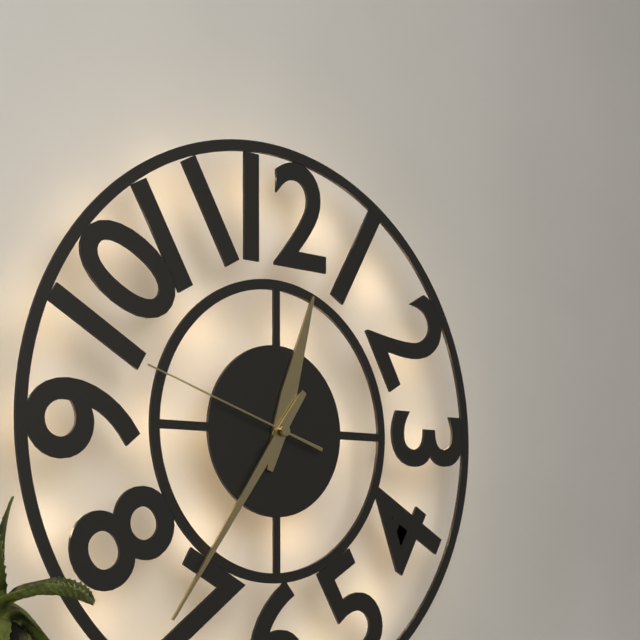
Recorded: h=12 m=36 s=48
